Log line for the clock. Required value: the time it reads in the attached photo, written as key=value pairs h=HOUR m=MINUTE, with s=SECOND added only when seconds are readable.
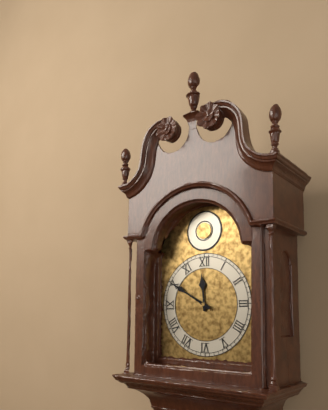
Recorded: h=11 m=50
